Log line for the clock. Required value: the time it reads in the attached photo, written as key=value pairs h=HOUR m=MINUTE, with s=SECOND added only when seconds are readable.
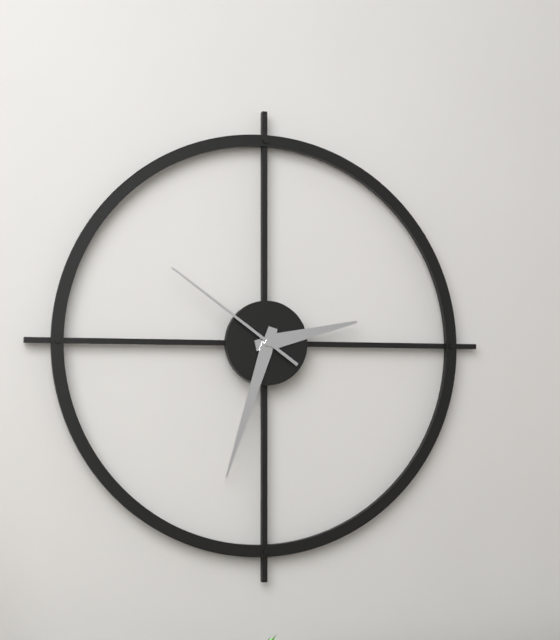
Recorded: h=2 m=33 s=51
